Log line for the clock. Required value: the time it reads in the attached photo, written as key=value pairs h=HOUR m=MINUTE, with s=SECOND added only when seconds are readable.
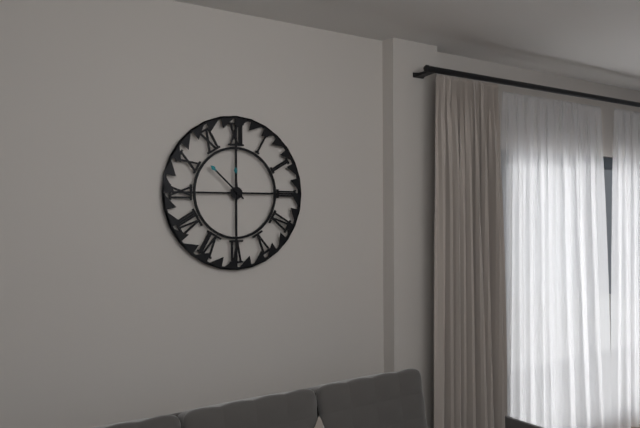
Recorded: h=11 m=52
